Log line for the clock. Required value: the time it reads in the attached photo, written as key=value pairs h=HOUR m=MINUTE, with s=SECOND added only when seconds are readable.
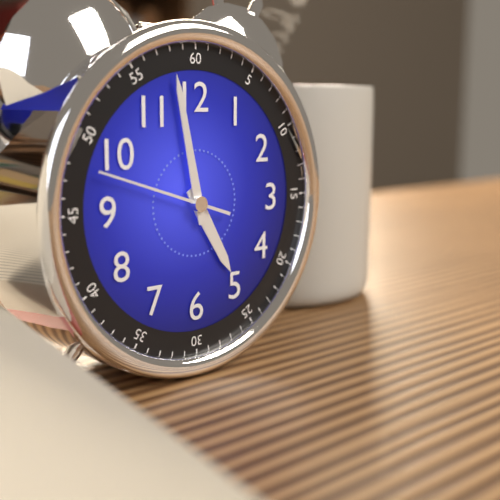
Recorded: h=4 m=58 s=48
